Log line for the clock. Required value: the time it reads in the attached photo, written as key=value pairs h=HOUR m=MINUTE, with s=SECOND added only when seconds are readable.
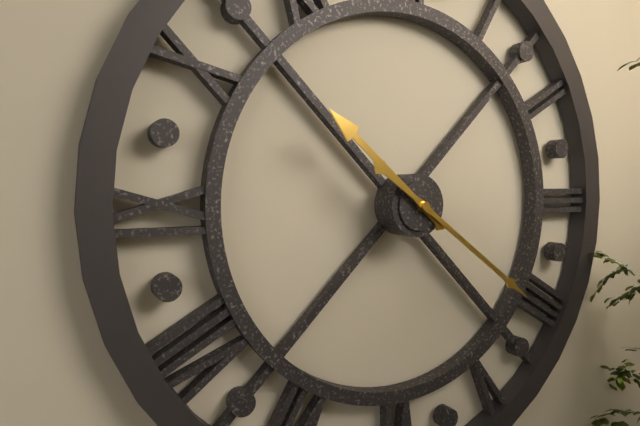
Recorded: h=10 m=21
